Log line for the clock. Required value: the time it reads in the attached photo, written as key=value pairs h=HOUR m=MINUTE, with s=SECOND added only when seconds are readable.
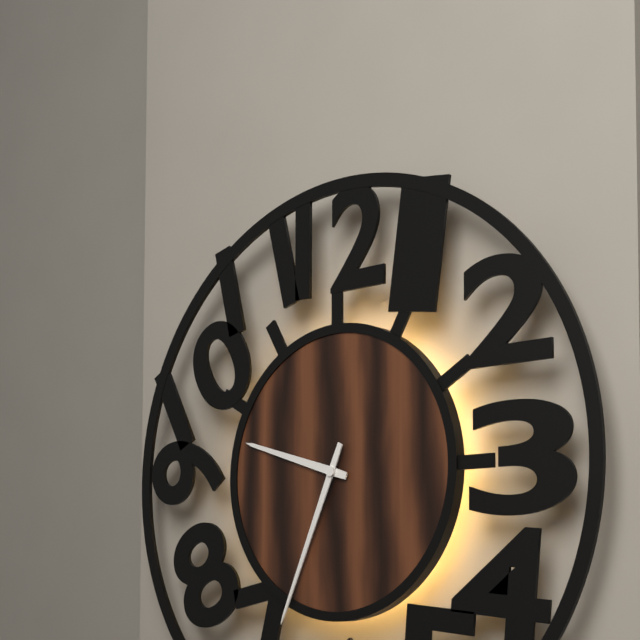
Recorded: h=9 m=34
